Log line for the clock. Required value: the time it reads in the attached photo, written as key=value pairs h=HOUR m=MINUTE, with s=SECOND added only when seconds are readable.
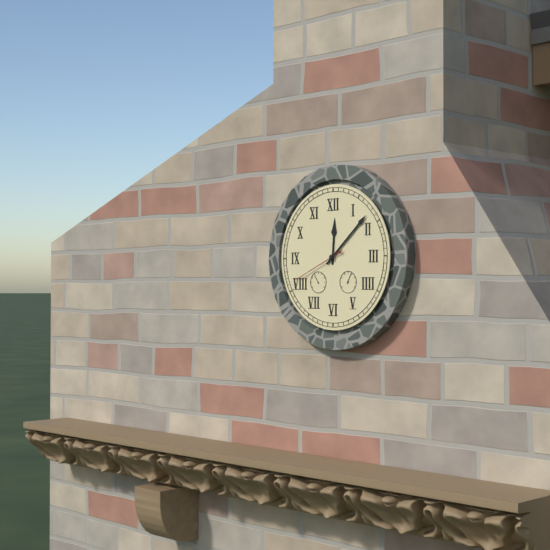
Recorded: h=12 m=8 s=41
